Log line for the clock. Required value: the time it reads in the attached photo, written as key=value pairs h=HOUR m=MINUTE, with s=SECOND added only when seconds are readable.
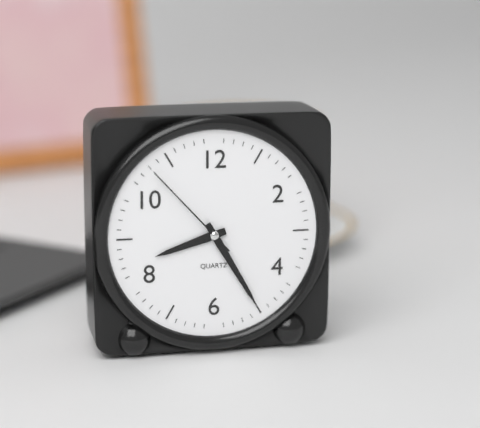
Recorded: h=8 m=25 s=53
